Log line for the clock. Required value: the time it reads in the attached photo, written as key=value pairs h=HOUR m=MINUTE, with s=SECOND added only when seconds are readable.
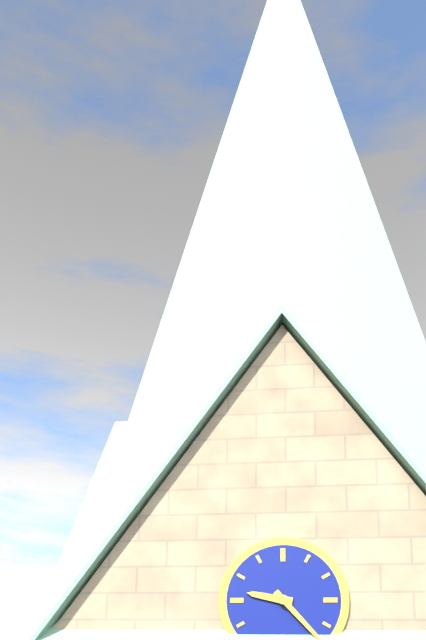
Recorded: h=9 m=23
